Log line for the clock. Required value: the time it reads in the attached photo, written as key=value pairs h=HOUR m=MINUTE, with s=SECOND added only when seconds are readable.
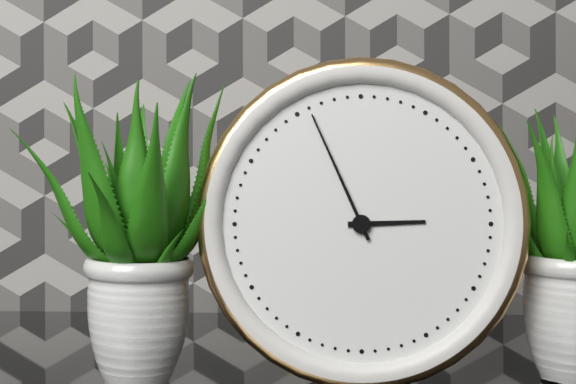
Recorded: h=2 m=56
